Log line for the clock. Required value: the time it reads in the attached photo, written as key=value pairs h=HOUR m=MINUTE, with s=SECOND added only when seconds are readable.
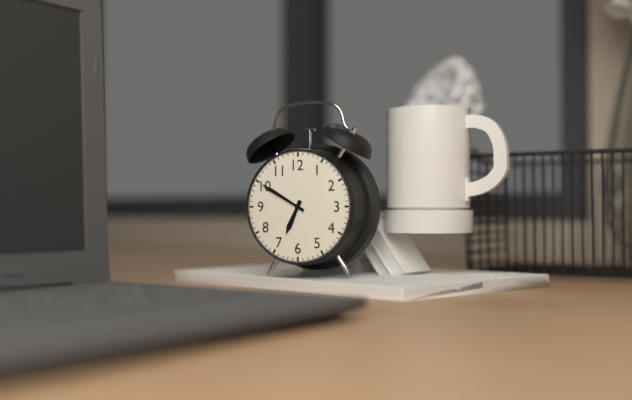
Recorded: h=6 m=50
